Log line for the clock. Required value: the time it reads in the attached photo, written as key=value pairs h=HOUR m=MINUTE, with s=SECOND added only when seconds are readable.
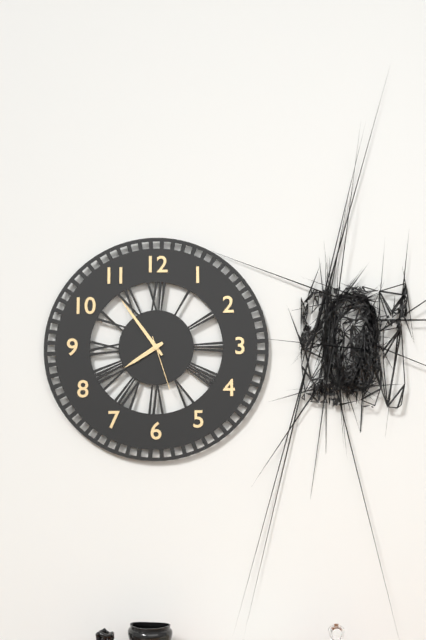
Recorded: h=7 m=54 s=27
